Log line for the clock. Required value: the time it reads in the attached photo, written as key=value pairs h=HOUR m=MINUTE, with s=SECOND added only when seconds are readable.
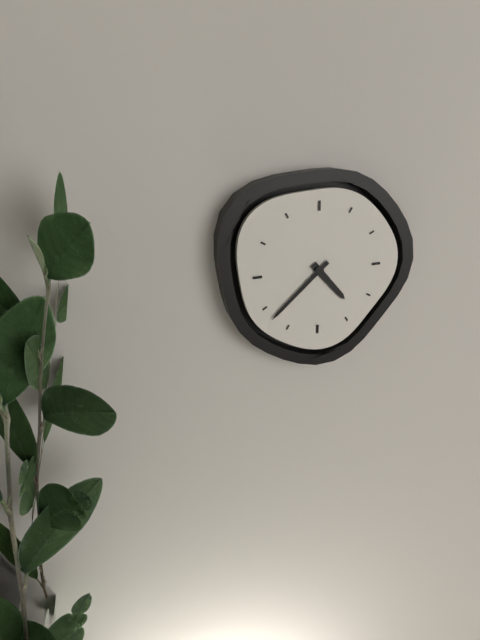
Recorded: h=4 m=38
